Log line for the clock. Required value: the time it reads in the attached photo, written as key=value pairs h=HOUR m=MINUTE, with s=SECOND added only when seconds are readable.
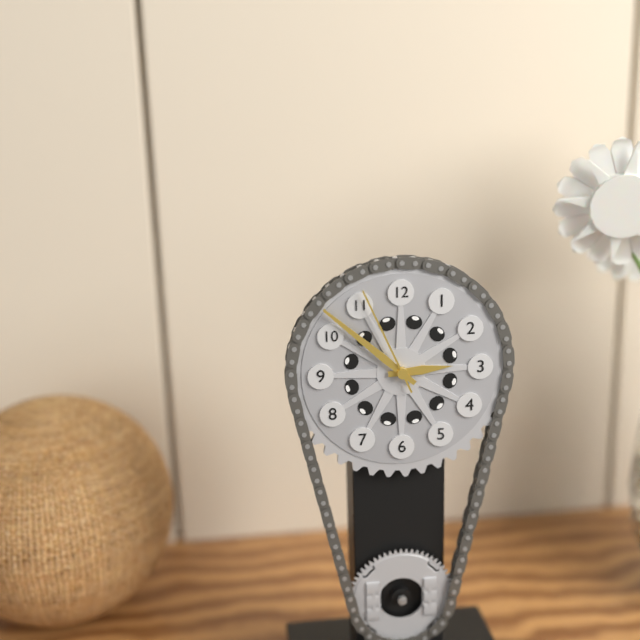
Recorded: h=2 m=52 s=56
